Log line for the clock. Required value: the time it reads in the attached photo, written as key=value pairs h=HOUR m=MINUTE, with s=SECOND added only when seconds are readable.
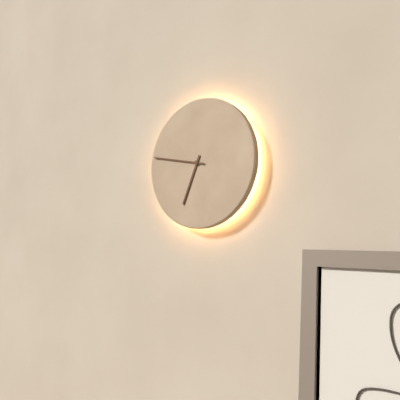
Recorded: h=6 m=47
